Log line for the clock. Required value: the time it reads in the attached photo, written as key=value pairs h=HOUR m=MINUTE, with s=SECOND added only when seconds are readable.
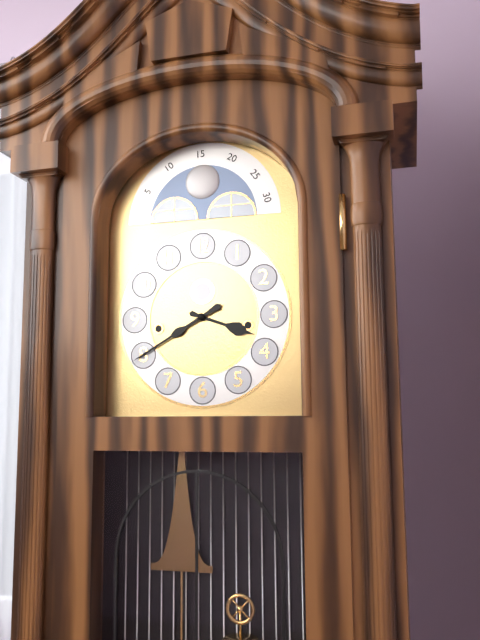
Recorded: h=3 m=40
